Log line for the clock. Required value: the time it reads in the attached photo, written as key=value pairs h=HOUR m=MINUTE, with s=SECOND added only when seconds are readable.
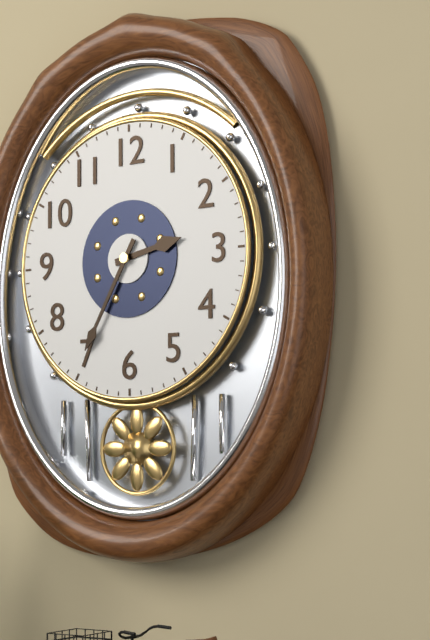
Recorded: h=2 m=35
